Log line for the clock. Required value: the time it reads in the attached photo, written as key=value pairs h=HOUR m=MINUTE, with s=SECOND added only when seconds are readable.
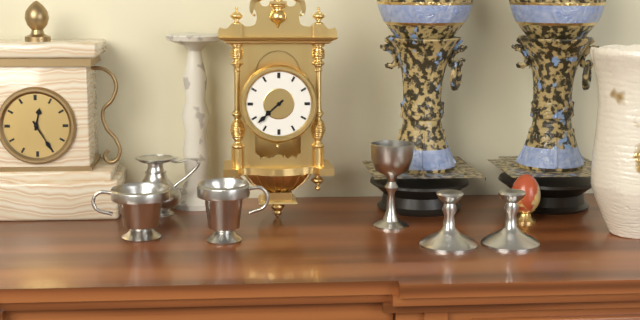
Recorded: h=7 m=38
